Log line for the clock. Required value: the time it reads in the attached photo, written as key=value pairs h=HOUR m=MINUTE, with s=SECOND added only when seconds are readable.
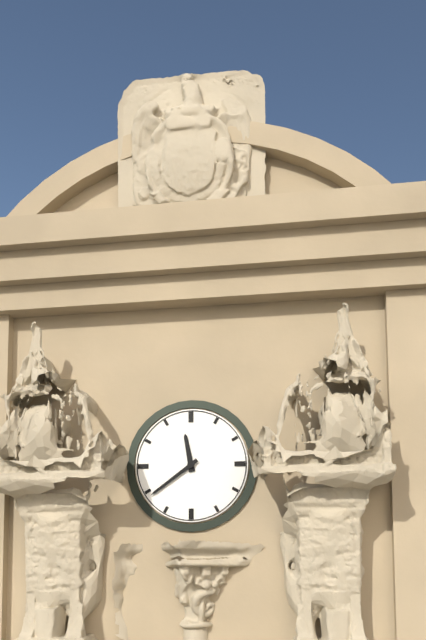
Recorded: h=11 m=39
